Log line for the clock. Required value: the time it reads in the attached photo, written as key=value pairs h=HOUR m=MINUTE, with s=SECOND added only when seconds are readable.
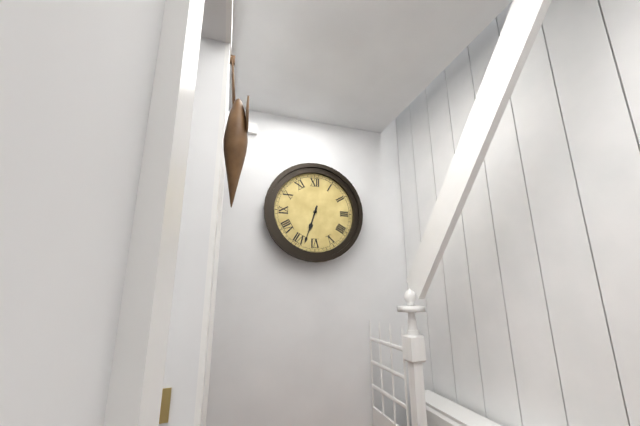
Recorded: h=6 m=33
